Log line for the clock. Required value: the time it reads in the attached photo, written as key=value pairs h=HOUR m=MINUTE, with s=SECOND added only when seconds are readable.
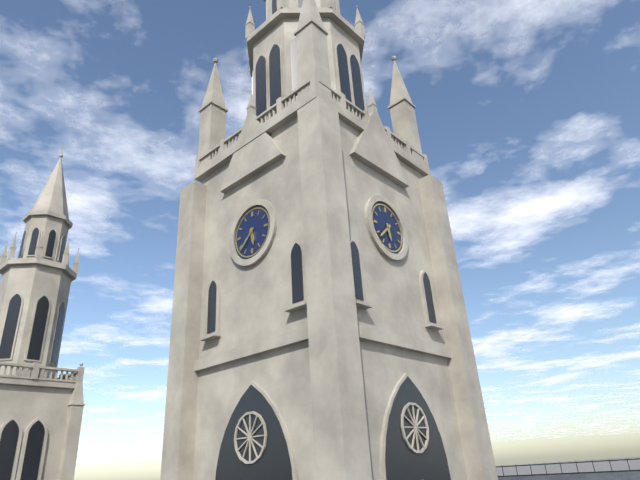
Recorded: h=5 m=38
